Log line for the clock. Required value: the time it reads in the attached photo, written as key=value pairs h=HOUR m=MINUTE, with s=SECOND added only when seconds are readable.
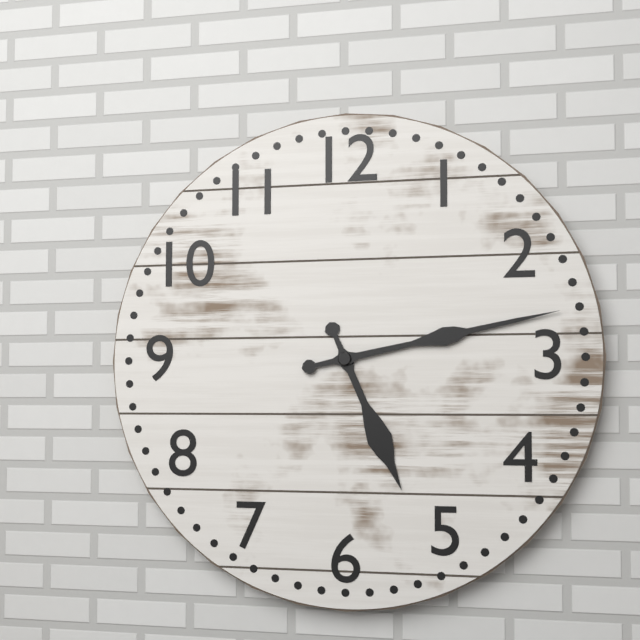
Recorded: h=5 m=13
